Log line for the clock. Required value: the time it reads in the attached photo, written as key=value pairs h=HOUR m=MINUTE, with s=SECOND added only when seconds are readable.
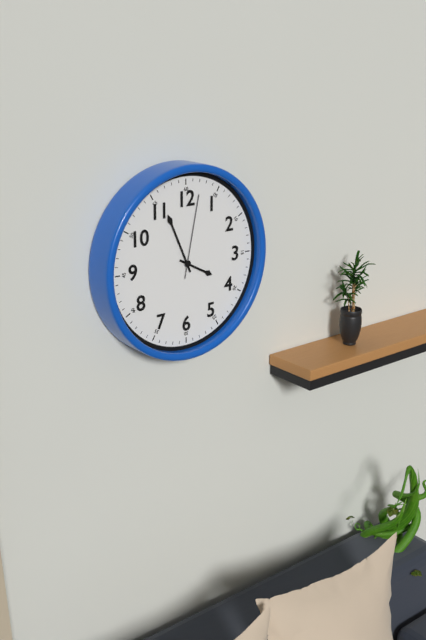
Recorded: h=3 m=56 s=2
